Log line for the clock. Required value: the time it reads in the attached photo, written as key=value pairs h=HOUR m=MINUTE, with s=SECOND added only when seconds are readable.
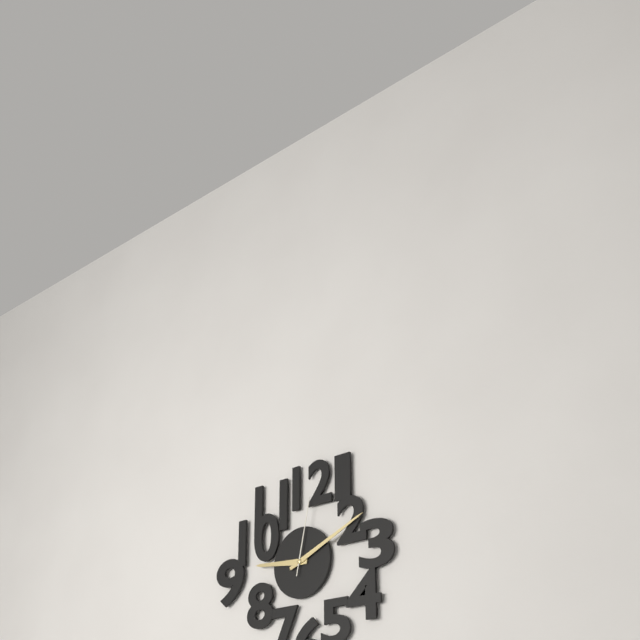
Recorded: h=9 m=11 s=2
